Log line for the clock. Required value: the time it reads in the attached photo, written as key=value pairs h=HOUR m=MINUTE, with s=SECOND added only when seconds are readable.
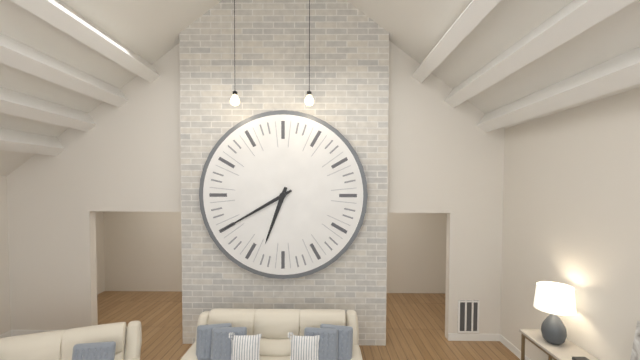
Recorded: h=6 m=40
